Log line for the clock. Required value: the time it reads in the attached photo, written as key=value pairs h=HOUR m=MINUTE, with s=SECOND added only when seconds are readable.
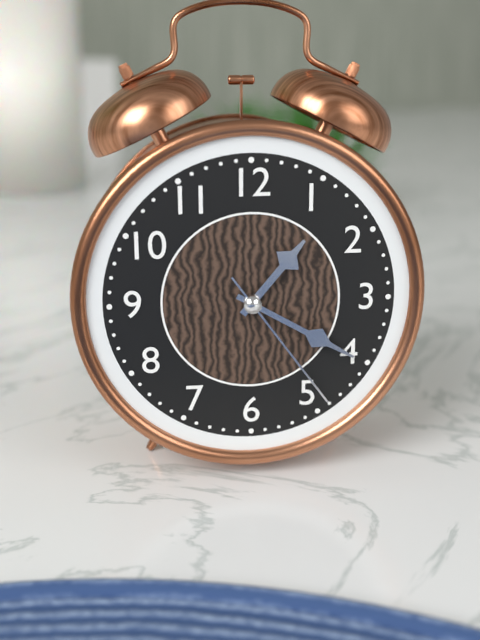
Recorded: h=1 m=20 s=24
